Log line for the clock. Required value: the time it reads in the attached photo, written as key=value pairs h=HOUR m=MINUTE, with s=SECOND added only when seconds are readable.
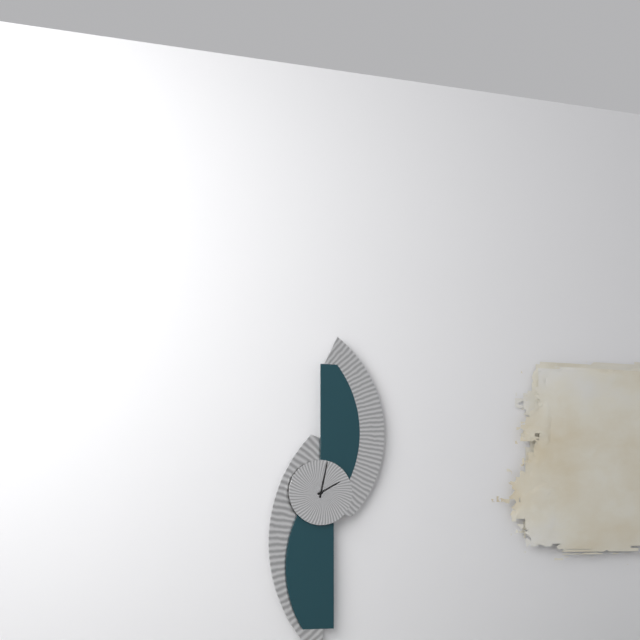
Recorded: h=2 m=2
